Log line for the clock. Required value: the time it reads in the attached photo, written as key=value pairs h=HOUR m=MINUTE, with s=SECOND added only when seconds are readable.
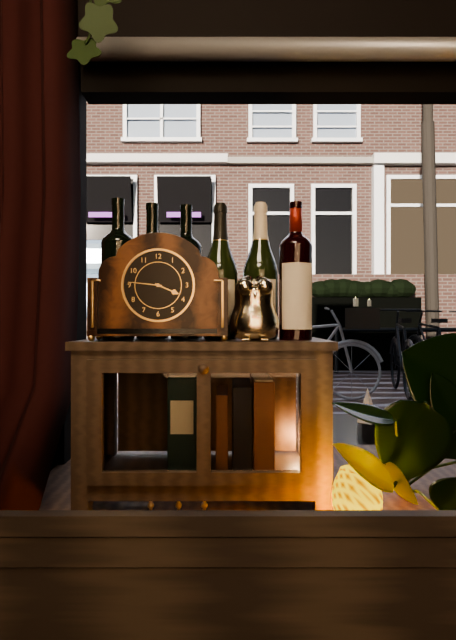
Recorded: h=3 m=46
